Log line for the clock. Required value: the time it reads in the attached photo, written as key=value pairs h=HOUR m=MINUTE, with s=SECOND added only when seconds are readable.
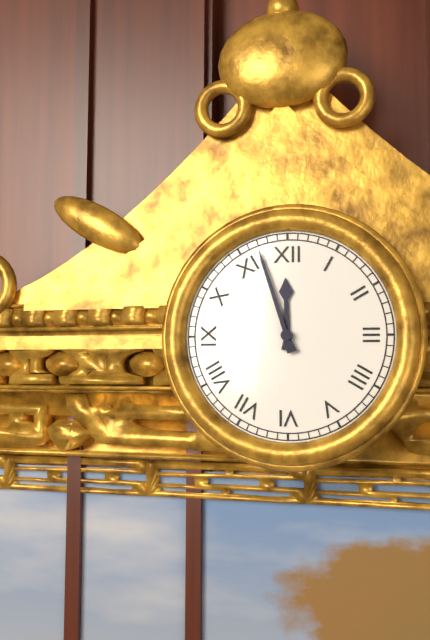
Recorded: h=11 m=57
